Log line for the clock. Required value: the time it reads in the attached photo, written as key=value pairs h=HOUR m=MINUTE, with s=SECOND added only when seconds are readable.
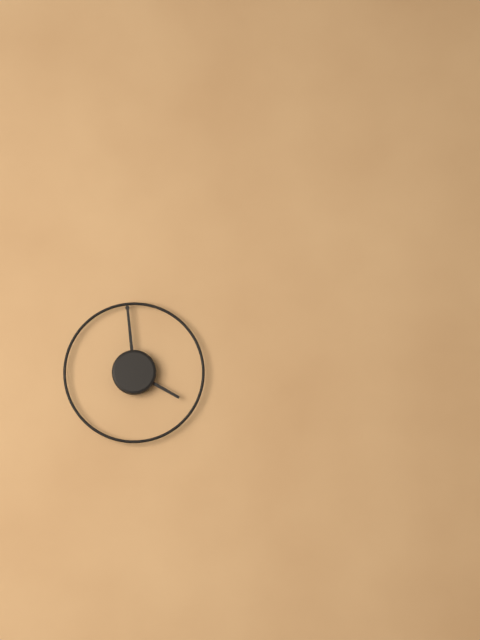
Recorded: h=3 m=59
